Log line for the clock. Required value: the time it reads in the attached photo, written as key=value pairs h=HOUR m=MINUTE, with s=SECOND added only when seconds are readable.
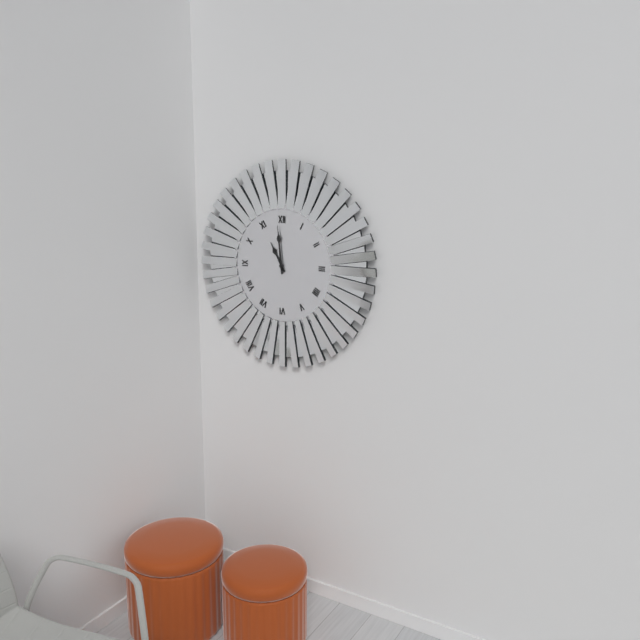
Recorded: h=10 m=59
